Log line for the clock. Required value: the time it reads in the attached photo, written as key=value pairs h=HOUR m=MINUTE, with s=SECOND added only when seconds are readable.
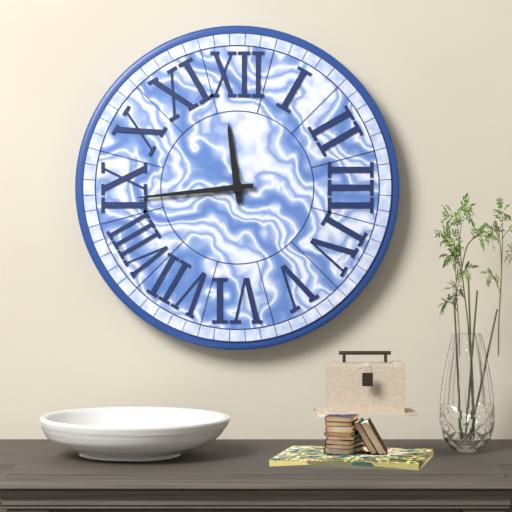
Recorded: h=11 m=44
